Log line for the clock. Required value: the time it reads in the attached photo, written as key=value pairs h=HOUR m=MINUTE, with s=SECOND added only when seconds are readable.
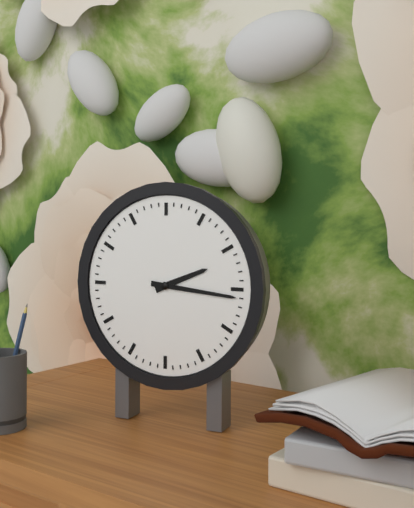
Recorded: h=2 m=16
